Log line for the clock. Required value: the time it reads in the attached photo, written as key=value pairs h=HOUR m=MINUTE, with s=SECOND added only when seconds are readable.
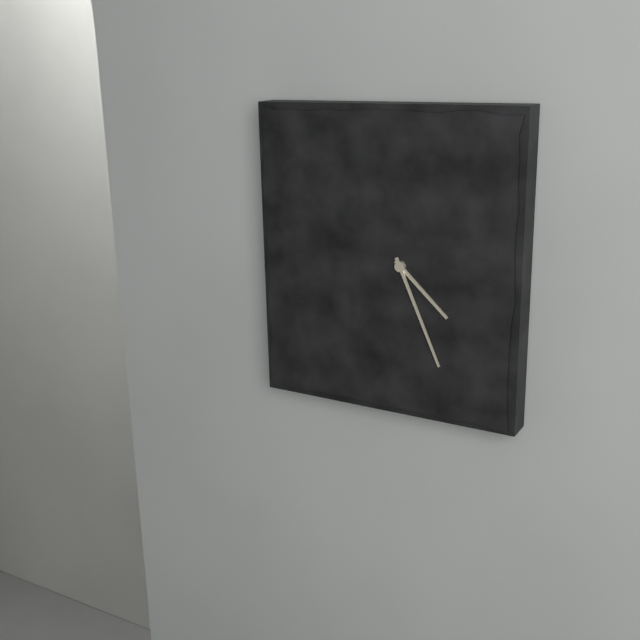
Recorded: h=4 m=26
